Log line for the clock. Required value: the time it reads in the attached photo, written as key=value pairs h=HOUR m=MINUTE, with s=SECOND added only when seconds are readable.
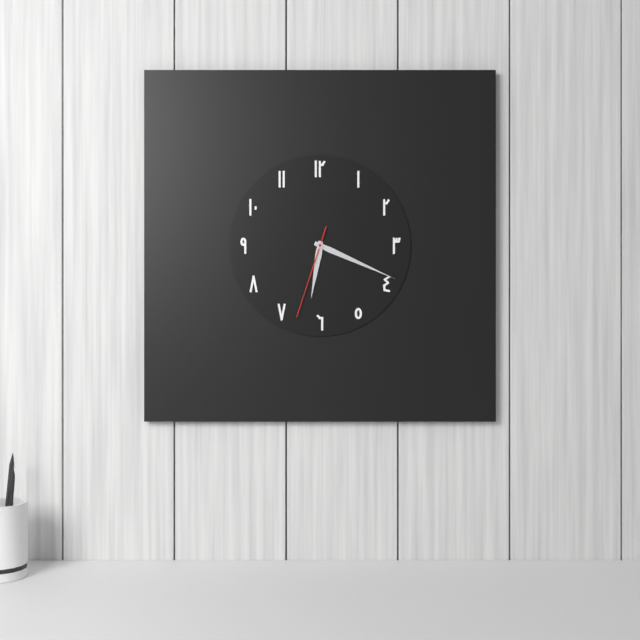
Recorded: h=6 m=19 s=33
